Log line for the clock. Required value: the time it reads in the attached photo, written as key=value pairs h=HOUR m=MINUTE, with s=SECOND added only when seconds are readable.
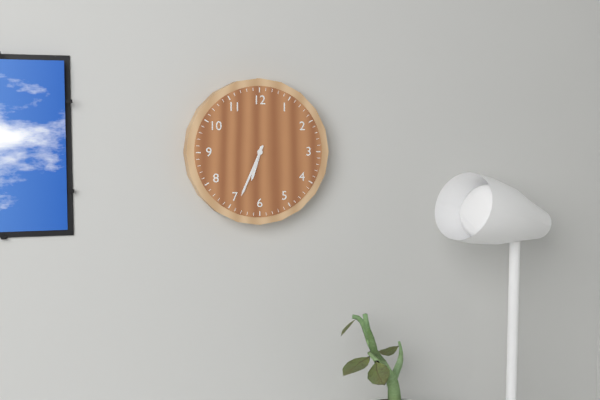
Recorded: h=6 m=34
